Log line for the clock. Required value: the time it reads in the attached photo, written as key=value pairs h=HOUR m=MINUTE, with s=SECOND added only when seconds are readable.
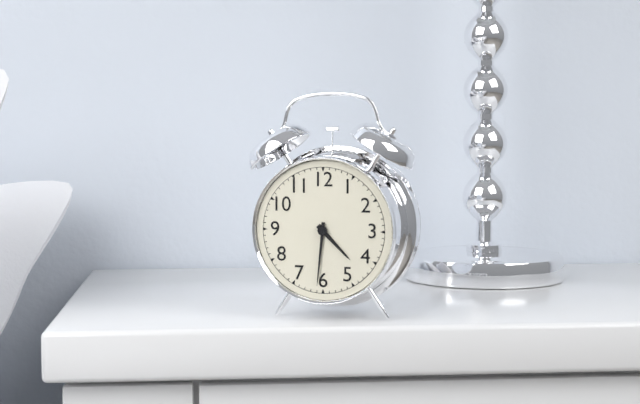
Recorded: h=4 m=31
